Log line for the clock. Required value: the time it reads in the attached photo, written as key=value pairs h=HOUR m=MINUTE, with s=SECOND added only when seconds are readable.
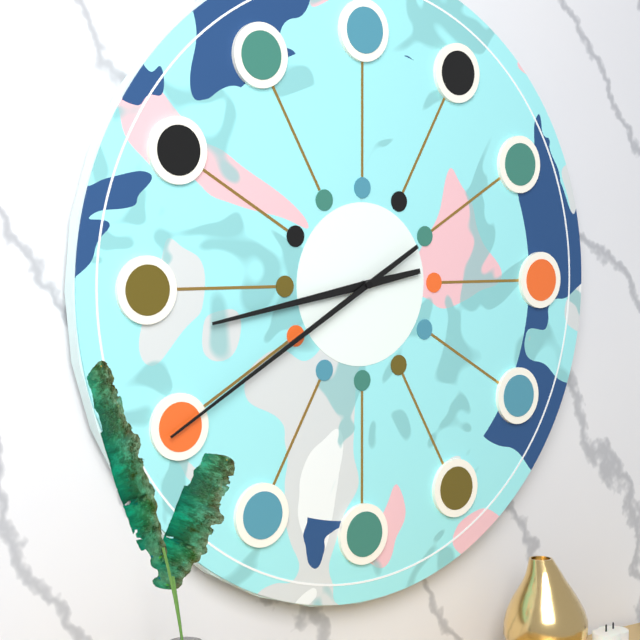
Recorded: h=8 m=40
